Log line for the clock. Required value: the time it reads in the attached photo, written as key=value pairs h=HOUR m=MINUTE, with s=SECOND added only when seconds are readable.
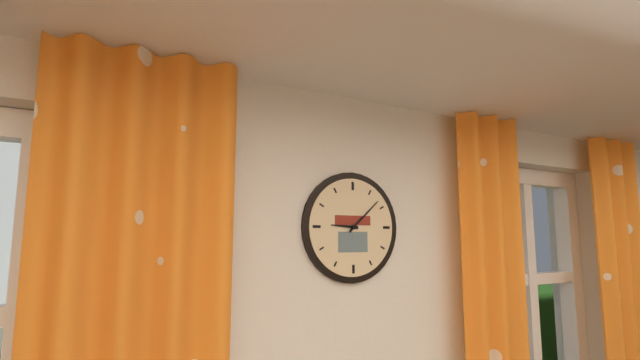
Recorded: h=9 m=8
